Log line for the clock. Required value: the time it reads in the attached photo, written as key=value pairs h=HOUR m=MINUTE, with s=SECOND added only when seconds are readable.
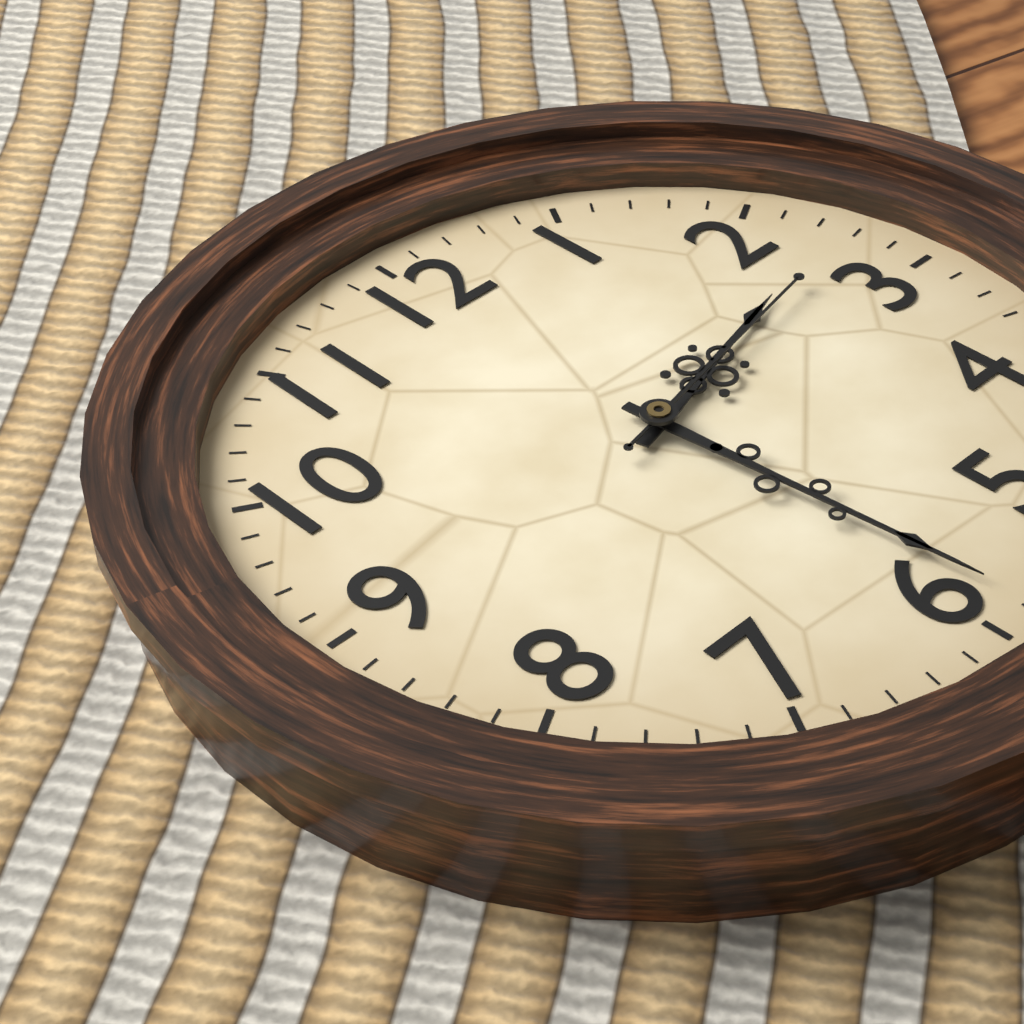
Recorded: h=2 m=29 s=13
